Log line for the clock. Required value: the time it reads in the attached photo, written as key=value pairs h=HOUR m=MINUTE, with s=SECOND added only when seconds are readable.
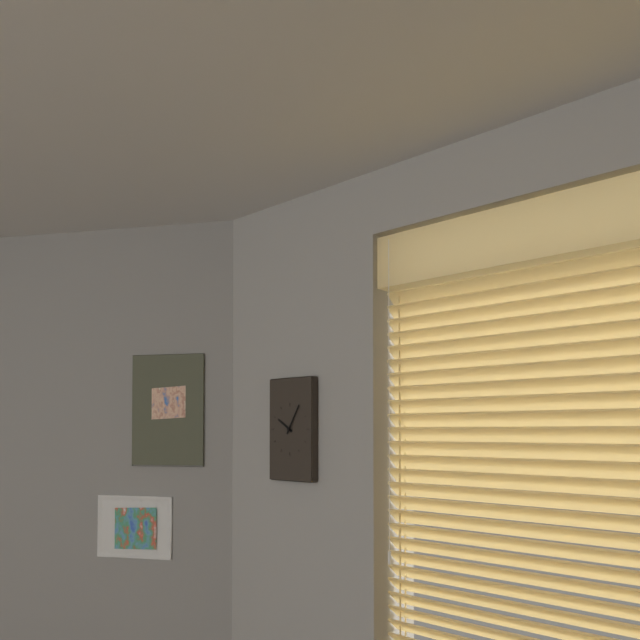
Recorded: h=10 m=5
